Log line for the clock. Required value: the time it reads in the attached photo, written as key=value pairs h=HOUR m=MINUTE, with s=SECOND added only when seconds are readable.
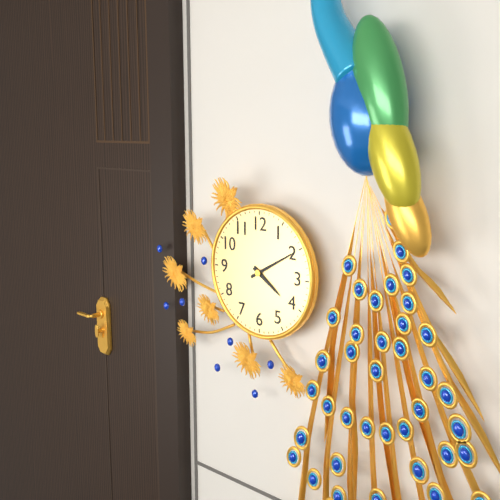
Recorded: h=4 m=10
